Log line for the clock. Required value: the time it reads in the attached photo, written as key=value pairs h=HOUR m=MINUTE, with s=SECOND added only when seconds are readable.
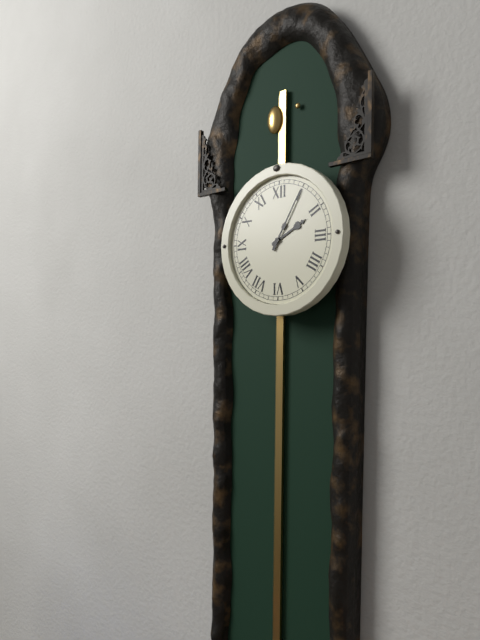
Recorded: h=2 m=5
